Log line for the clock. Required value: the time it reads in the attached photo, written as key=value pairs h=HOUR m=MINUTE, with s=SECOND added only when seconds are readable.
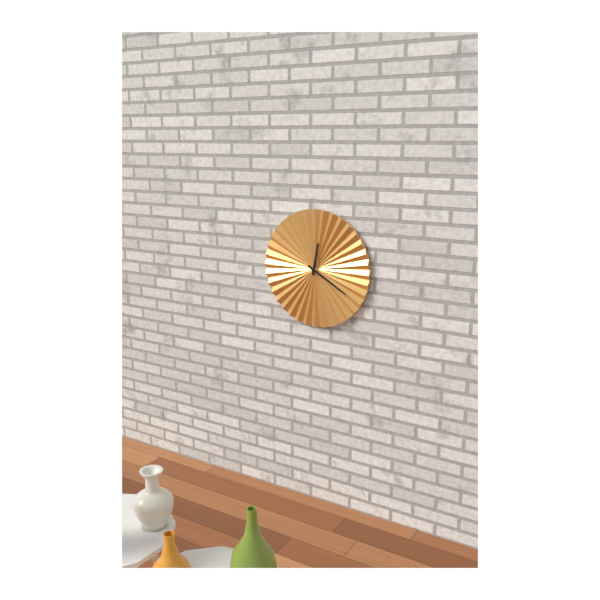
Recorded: h=12 m=20
